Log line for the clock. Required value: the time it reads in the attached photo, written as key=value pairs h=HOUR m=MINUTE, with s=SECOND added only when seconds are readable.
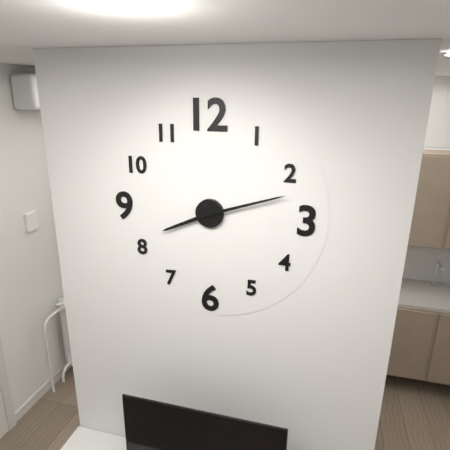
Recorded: h=8 m=12
